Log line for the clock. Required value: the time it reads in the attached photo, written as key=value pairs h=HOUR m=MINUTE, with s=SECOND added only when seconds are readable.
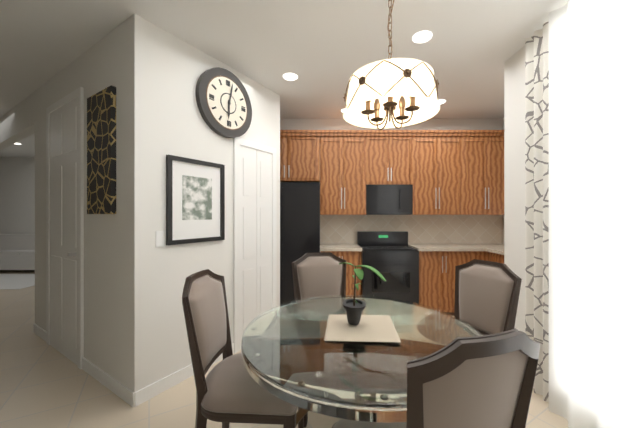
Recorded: h=6 m=2
